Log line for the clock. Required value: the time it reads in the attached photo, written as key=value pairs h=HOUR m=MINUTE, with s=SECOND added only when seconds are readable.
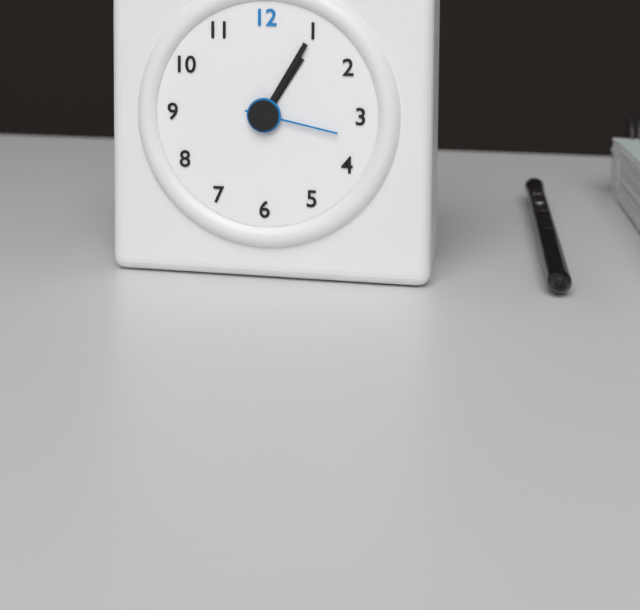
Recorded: h=1 m=5 s=17
